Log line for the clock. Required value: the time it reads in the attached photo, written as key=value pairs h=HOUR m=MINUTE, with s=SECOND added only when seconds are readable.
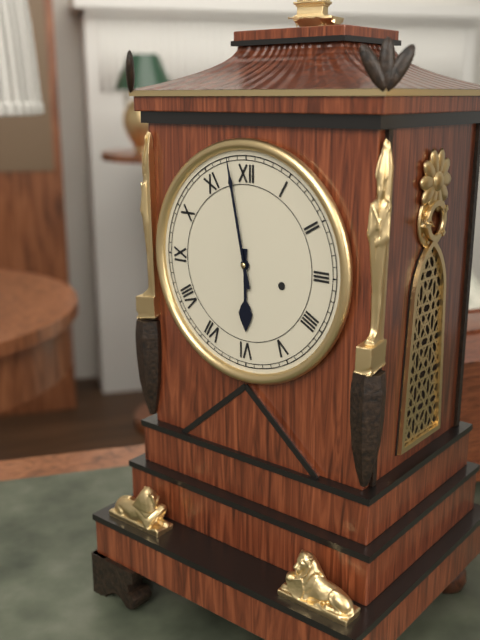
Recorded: h=5 m=58
